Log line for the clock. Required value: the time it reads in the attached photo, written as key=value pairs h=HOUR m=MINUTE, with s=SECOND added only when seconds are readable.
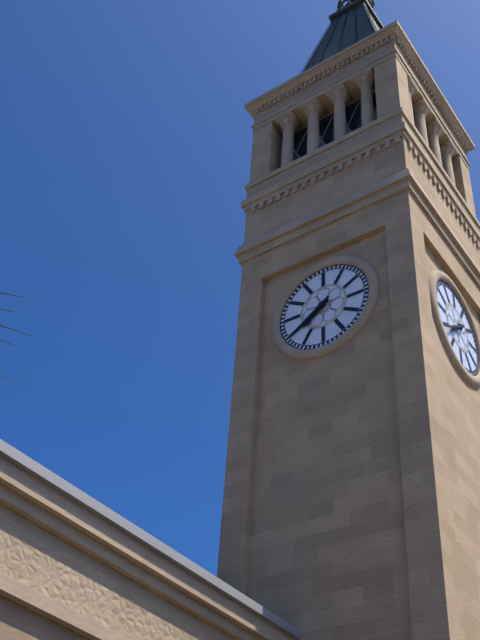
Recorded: h=7 m=39
